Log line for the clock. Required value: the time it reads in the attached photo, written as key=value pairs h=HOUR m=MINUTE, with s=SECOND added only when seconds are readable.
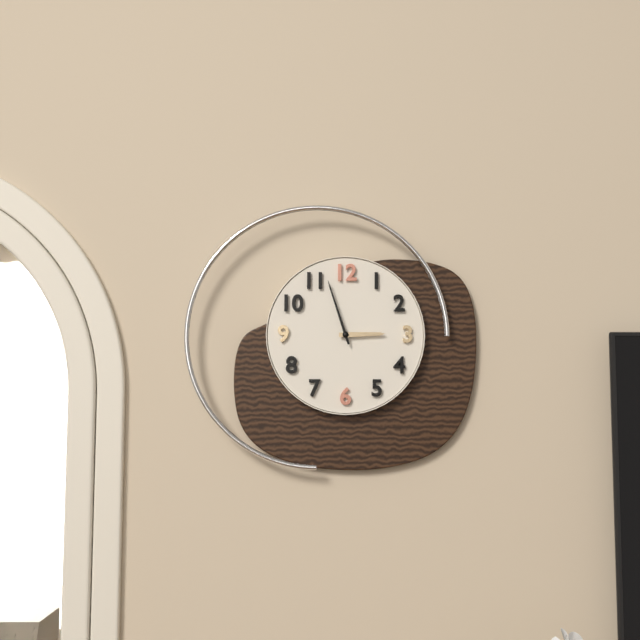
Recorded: h=2 m=57
